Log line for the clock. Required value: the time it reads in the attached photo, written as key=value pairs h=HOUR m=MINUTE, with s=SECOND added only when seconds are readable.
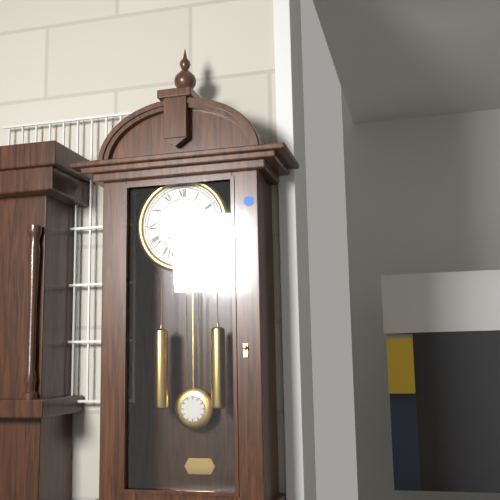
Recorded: h=4 m=33
